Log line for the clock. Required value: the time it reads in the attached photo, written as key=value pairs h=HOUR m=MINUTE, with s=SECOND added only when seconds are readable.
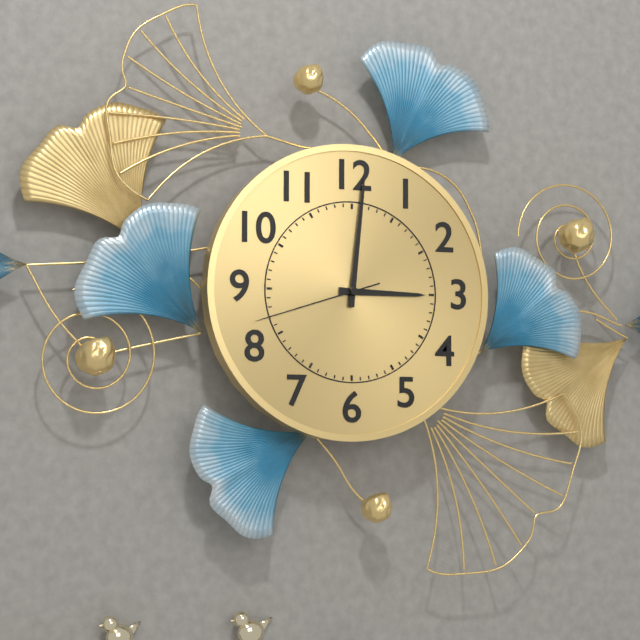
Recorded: h=3 m=1 s=42
